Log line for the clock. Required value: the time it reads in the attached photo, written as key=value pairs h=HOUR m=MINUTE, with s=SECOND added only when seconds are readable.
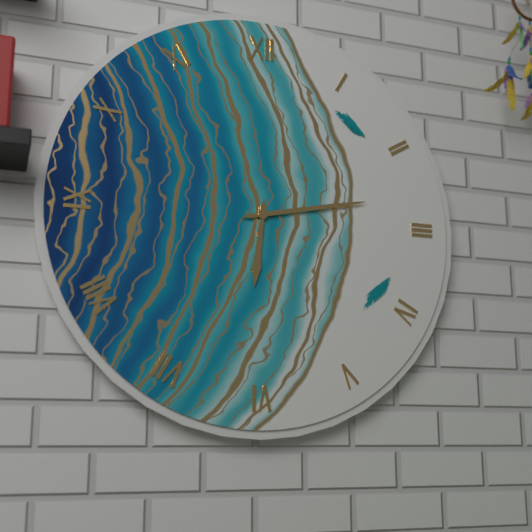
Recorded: h=6 m=13
